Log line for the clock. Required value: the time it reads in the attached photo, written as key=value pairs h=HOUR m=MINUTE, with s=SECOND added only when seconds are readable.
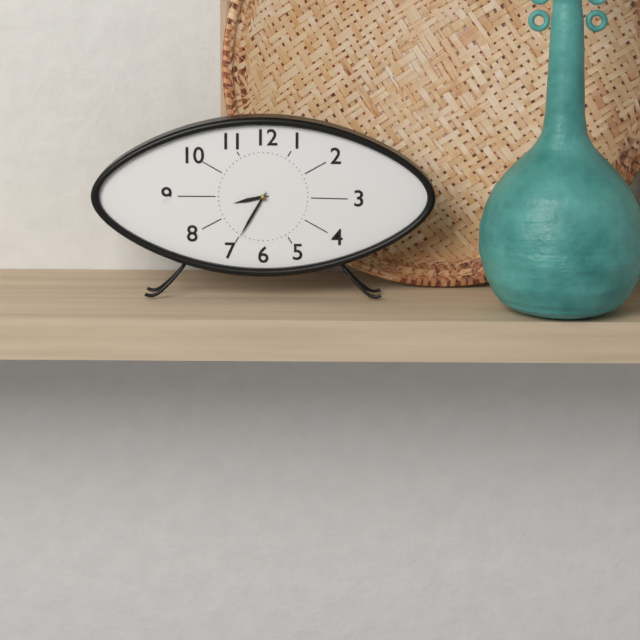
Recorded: h=8 m=35
